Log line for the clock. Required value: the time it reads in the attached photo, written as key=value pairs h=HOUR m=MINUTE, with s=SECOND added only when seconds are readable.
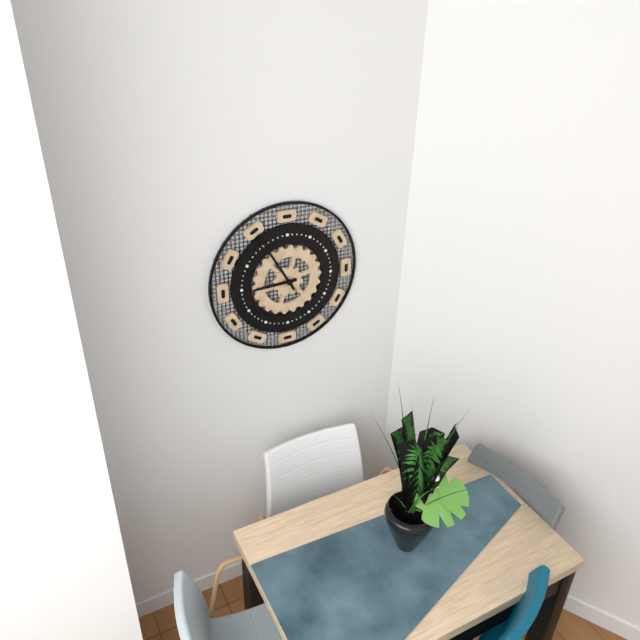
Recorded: h=8 m=55
